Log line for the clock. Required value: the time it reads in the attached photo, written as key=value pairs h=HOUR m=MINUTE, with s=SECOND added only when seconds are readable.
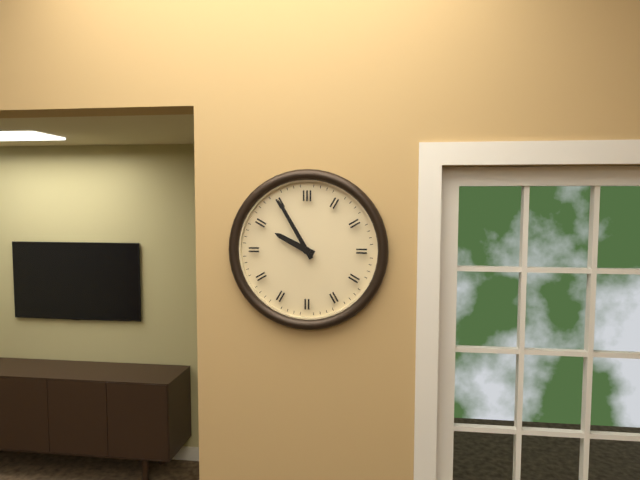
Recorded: h=9 m=55
